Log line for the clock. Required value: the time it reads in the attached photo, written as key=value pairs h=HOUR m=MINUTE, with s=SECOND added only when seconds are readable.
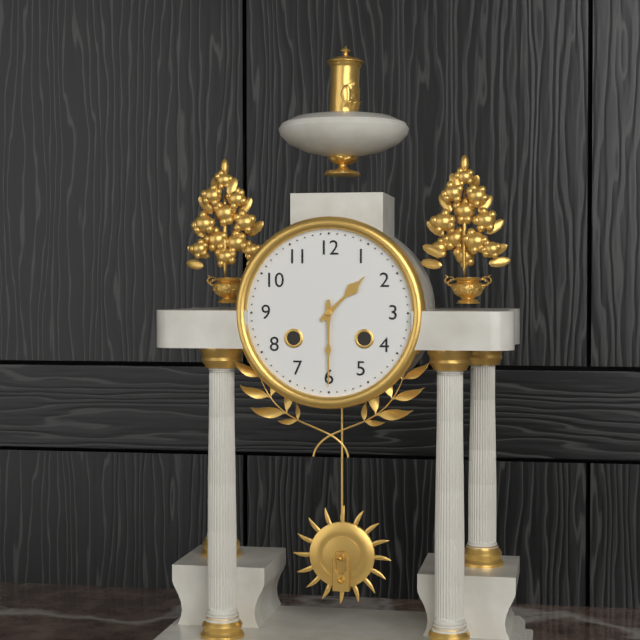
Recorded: h=1 m=30
